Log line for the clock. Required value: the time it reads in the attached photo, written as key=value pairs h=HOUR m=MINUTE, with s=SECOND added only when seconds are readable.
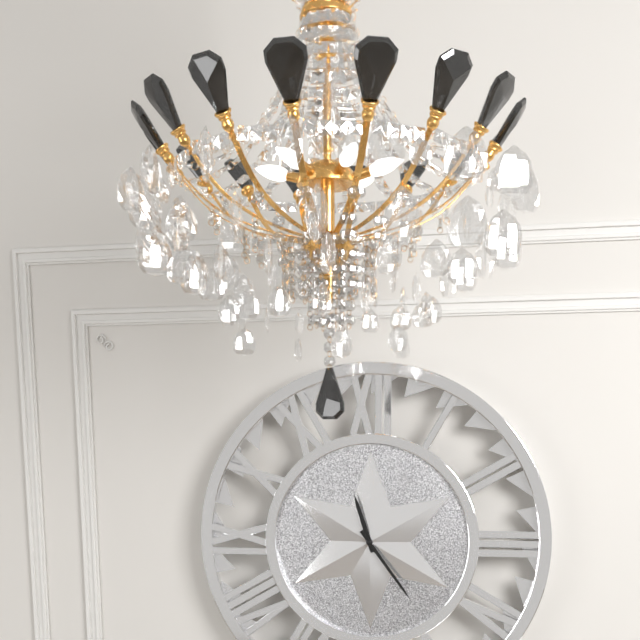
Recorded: h=11 m=24
